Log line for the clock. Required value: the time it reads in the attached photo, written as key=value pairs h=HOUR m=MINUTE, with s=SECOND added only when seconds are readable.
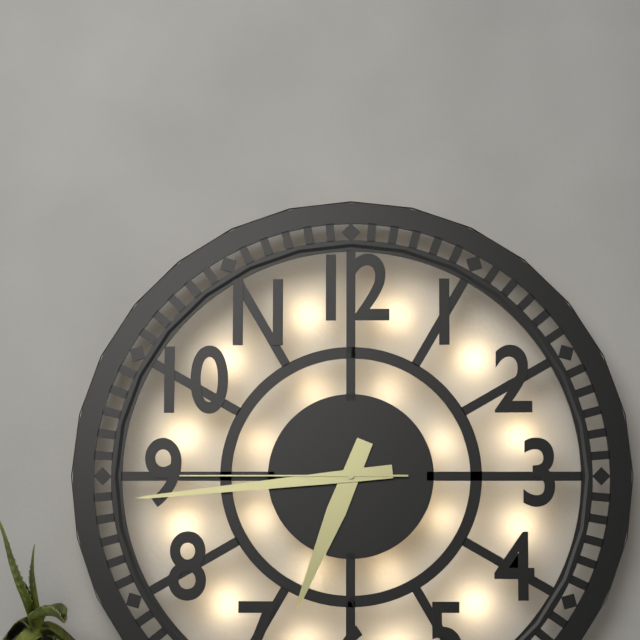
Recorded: h=6 m=44 s=45
